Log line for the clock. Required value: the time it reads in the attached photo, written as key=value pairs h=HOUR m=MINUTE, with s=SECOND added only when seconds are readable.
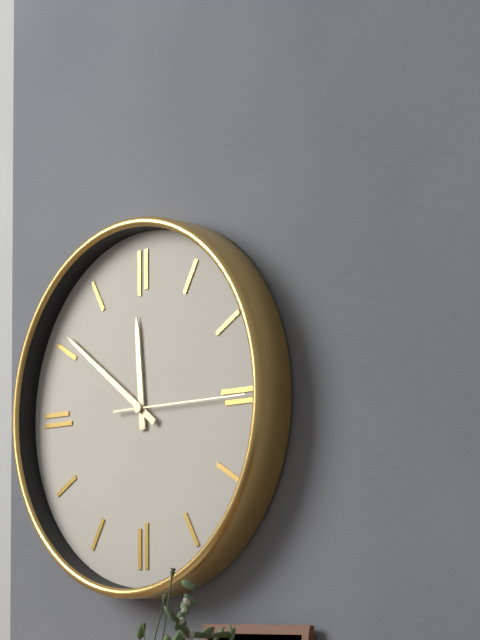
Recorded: h=11 m=51 s=15
